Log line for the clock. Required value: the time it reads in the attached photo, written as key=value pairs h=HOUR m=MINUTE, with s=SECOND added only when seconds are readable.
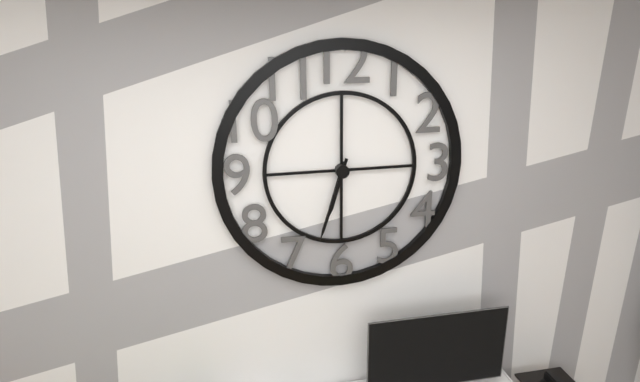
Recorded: h=6 m=33
